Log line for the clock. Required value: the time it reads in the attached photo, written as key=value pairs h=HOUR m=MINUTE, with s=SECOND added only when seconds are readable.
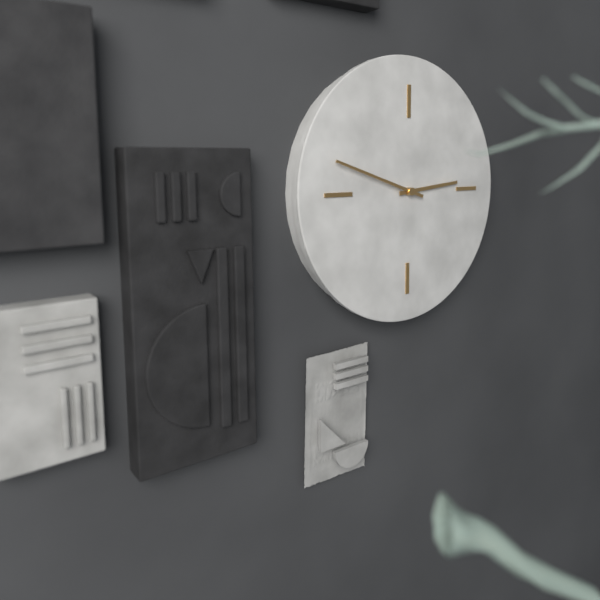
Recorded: h=2 m=48
